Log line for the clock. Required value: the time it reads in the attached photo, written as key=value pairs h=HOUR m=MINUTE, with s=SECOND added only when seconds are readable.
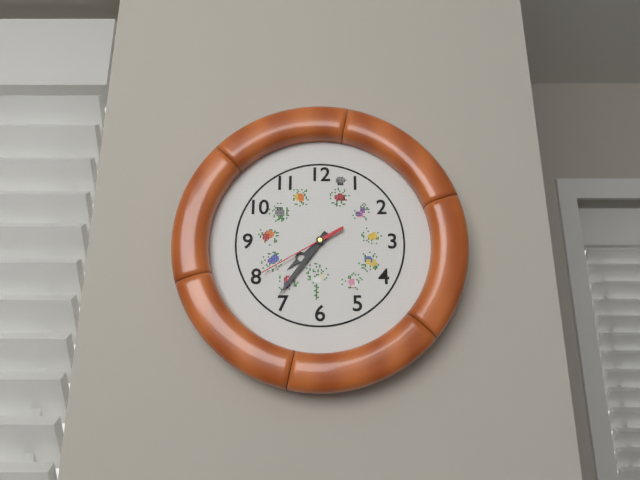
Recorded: h=7 m=36 s=40
